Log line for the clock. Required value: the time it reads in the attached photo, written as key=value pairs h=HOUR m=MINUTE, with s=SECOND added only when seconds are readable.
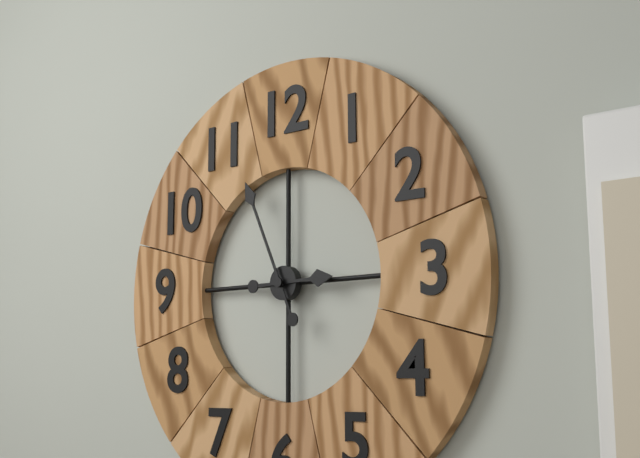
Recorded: h=2 m=56
